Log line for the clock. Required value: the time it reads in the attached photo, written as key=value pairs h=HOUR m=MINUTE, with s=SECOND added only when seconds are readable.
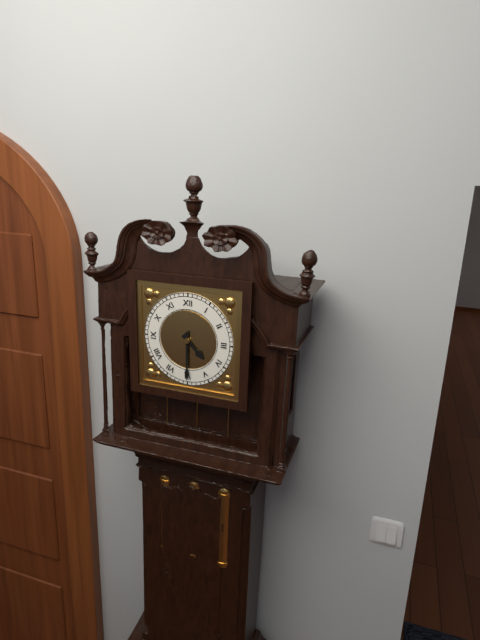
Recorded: h=4 m=30
